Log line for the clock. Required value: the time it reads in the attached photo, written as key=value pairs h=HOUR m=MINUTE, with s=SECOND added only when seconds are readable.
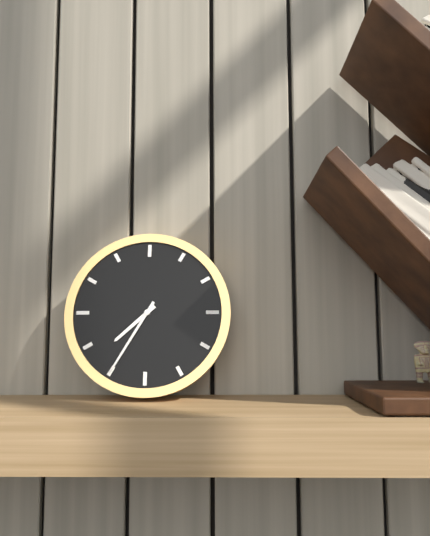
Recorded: h=7 m=35
